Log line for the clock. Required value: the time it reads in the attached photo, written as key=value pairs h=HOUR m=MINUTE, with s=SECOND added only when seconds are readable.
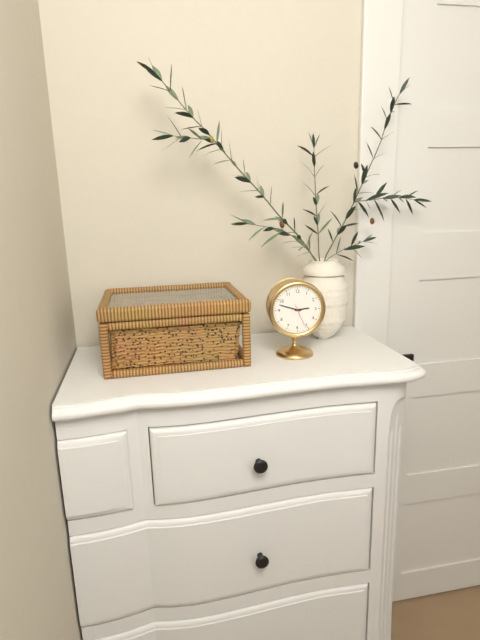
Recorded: h=2 m=48
